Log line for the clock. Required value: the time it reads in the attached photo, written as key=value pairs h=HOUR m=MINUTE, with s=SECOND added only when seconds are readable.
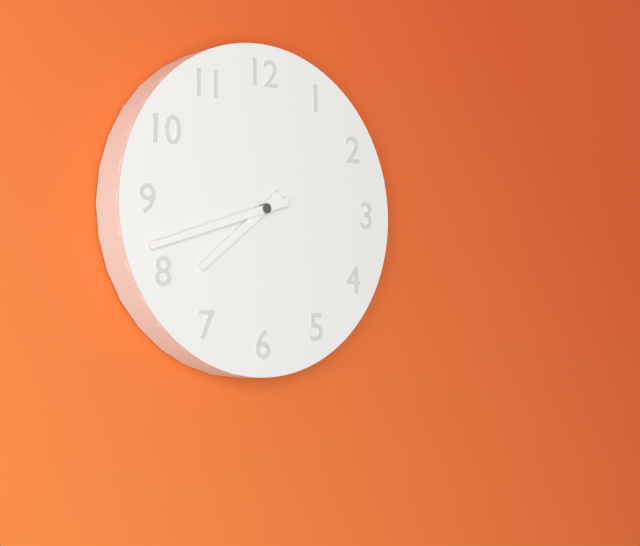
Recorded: h=7 m=42
